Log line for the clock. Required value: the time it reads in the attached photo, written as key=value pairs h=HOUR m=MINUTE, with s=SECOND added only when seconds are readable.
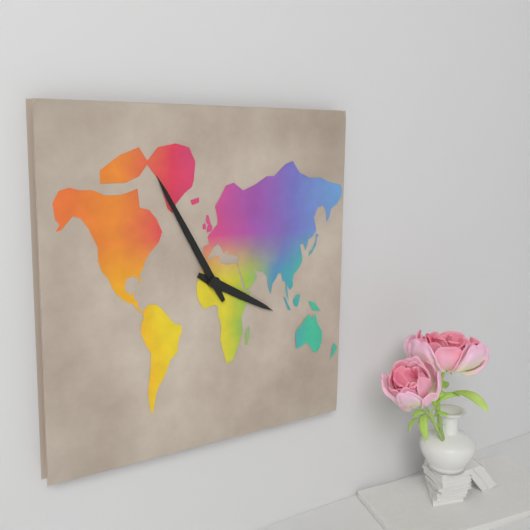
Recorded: h=3 m=55
